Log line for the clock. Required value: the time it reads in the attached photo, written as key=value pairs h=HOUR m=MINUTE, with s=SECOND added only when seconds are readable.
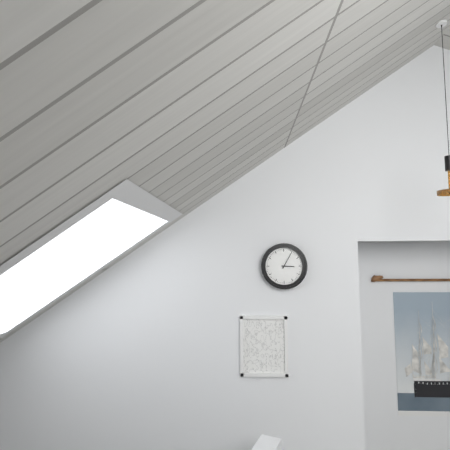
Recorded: h=3 m=5
